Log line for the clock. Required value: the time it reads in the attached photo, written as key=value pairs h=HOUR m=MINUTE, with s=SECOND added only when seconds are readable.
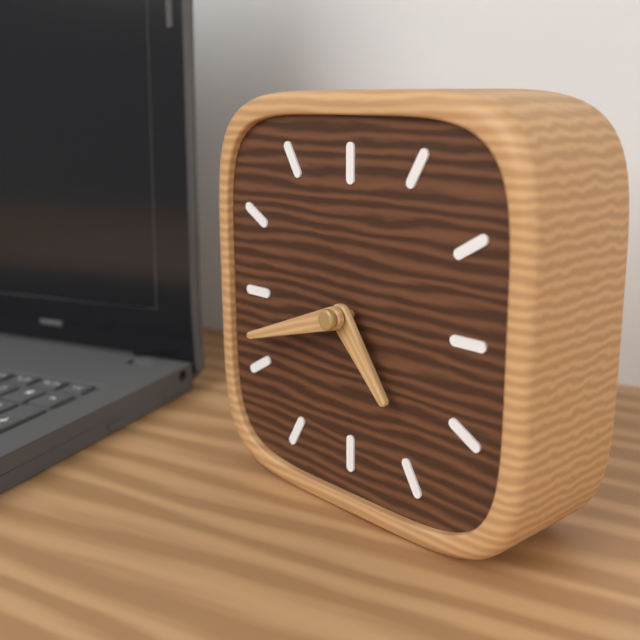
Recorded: h=4 m=42
